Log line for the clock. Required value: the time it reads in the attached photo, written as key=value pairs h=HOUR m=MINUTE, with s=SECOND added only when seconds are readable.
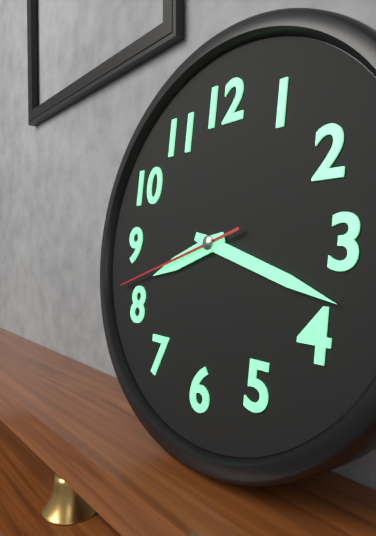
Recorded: h=8 m=18 s=42
